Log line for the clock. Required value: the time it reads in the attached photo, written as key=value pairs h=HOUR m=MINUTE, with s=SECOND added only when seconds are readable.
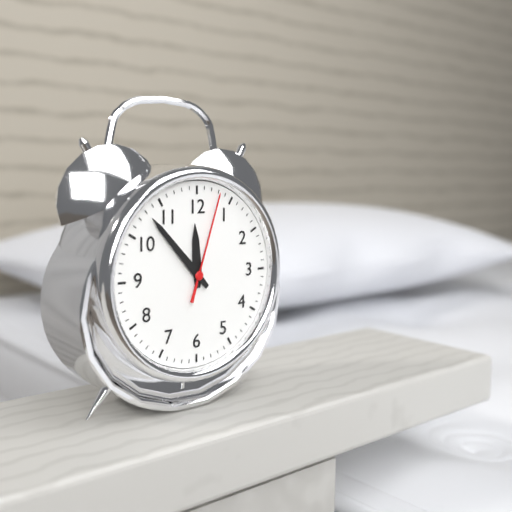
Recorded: h=11 m=53 s=3
